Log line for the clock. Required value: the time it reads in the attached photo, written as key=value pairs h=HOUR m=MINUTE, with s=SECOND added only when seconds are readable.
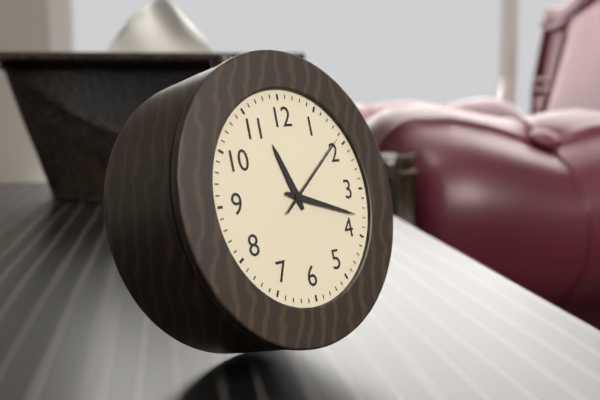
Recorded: h=11 m=18 s=9
